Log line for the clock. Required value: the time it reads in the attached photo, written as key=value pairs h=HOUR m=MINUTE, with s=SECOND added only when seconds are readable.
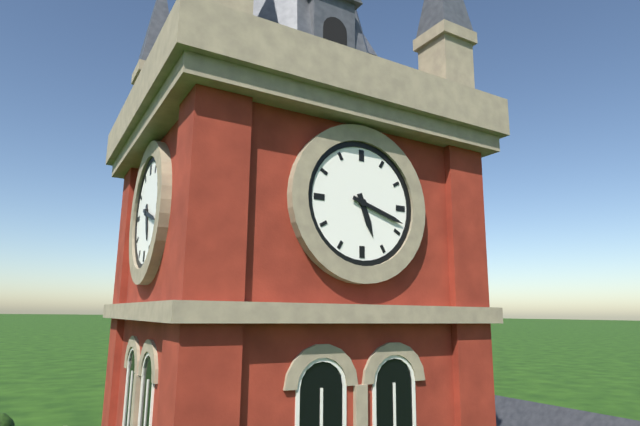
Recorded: h=5 m=18
